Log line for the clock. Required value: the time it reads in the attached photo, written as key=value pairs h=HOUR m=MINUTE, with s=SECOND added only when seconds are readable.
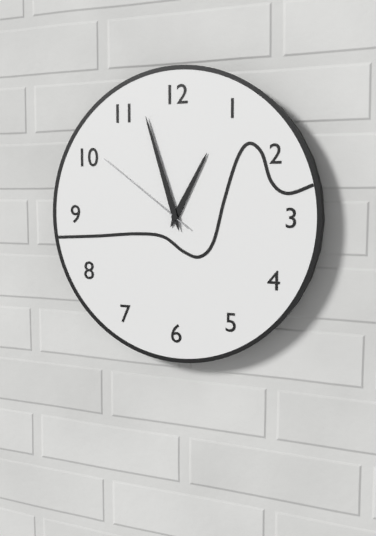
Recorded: h=12 m=57 s=51
